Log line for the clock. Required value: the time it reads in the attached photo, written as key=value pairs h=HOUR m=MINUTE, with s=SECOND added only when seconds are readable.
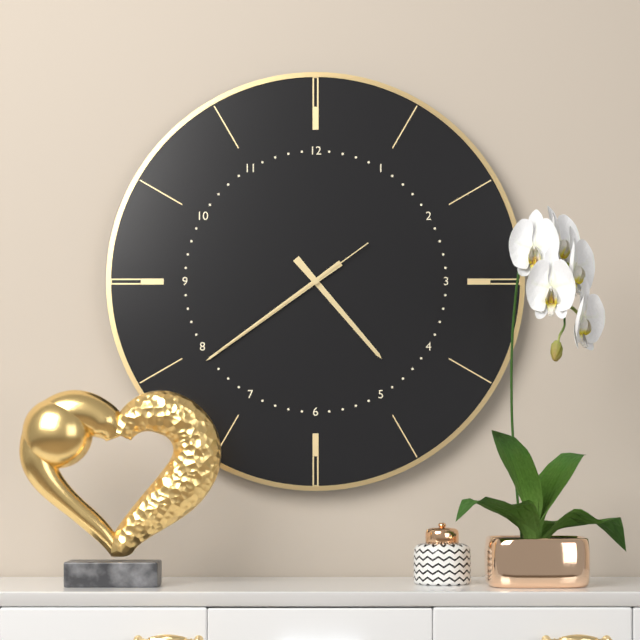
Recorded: h=4 m=39 s=39
